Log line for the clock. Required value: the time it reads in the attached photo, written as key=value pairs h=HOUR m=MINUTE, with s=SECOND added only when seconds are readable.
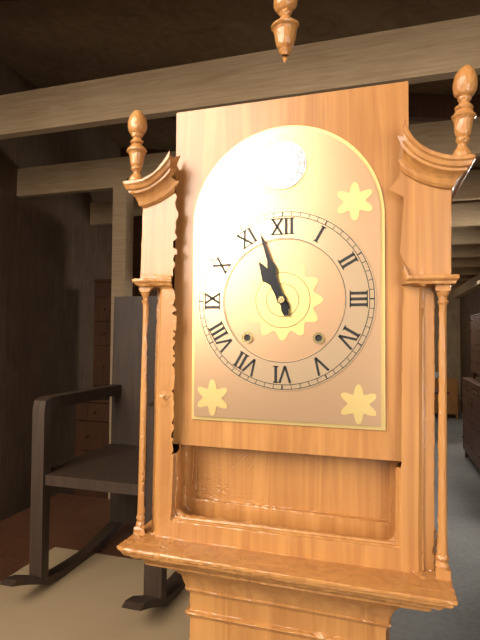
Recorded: h=10 m=57
